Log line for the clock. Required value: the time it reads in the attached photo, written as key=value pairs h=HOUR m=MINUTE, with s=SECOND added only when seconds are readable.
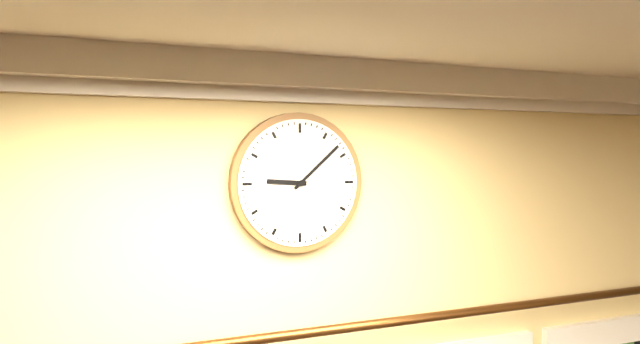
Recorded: h=9 m=8
